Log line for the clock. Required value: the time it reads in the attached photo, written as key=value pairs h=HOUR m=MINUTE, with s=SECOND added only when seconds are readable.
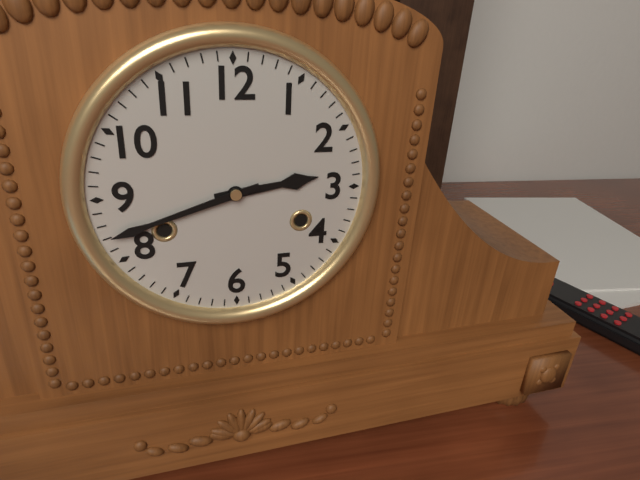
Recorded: h=2 m=42
